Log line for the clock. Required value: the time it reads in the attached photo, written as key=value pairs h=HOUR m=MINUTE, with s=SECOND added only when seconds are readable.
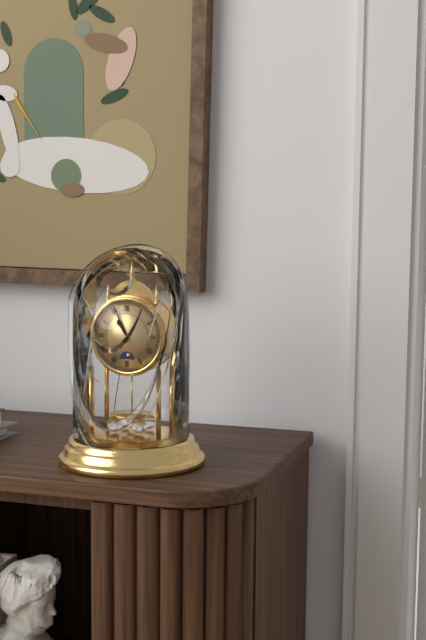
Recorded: h=10 m=56
